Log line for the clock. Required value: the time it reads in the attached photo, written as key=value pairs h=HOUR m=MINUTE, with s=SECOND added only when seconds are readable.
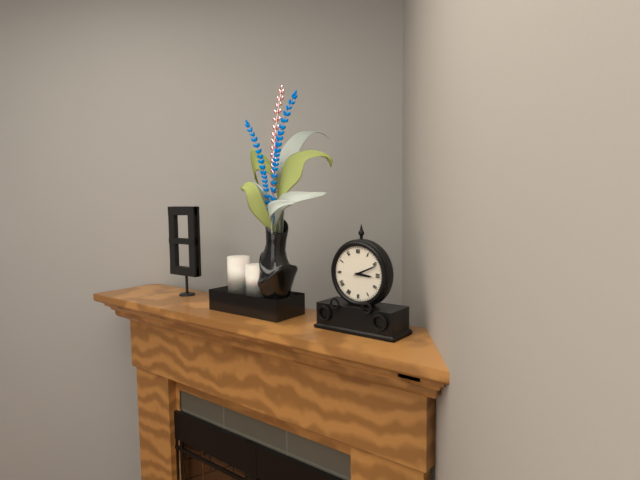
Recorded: h=3 m=11
